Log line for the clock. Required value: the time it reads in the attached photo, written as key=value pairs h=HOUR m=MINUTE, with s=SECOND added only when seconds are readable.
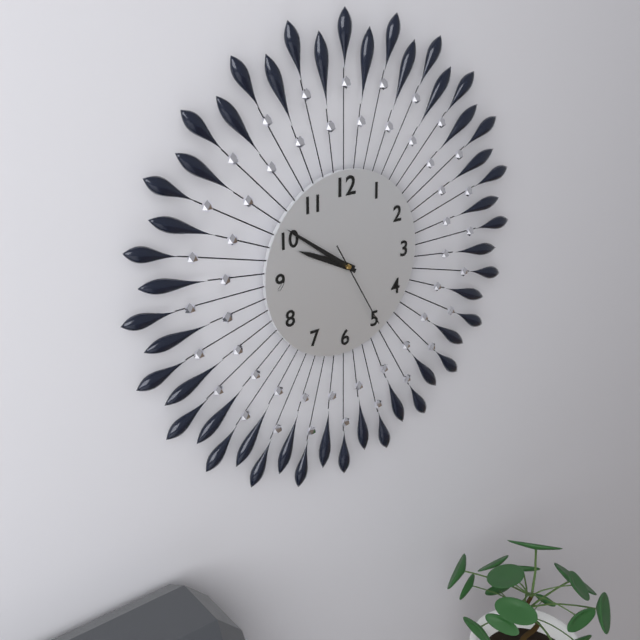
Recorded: h=9 m=51 s=25
